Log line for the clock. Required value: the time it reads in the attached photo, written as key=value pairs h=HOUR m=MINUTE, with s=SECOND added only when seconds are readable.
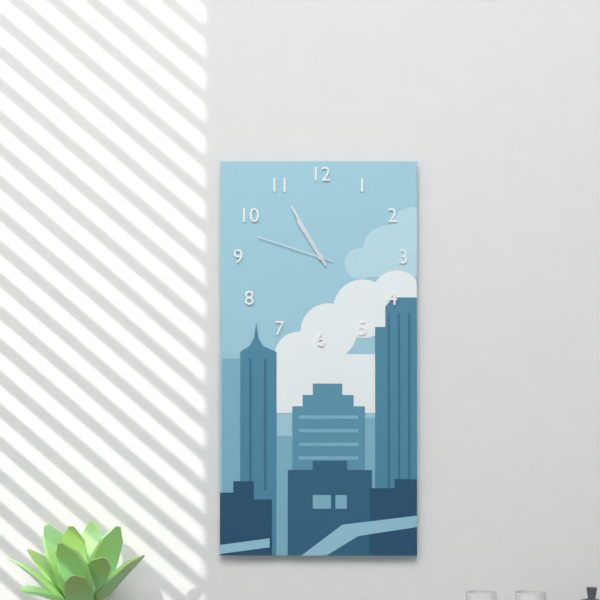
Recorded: h=10 m=55 s=48
